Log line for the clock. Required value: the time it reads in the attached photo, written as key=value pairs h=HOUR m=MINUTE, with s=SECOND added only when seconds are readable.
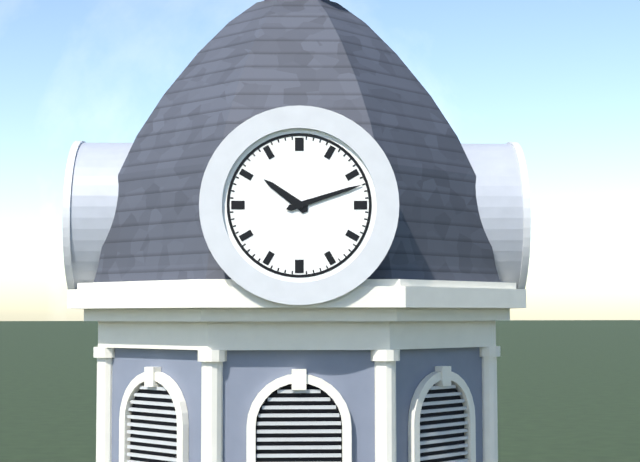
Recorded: h=10 m=12
